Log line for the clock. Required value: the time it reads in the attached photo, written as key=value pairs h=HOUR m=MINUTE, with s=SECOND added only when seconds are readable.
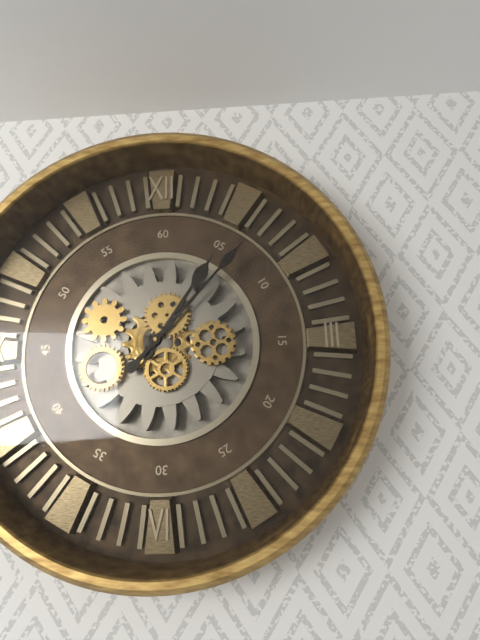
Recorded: h=1 m=7
